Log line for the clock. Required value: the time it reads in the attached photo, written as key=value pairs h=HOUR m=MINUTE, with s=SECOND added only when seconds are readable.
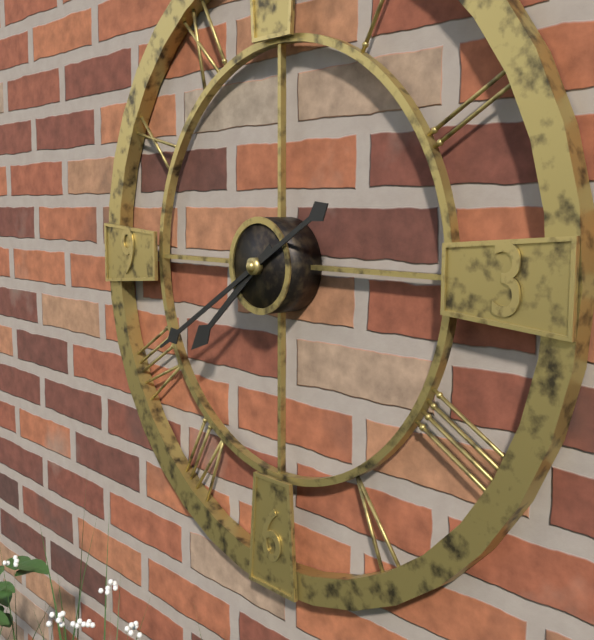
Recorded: h=7 m=40
